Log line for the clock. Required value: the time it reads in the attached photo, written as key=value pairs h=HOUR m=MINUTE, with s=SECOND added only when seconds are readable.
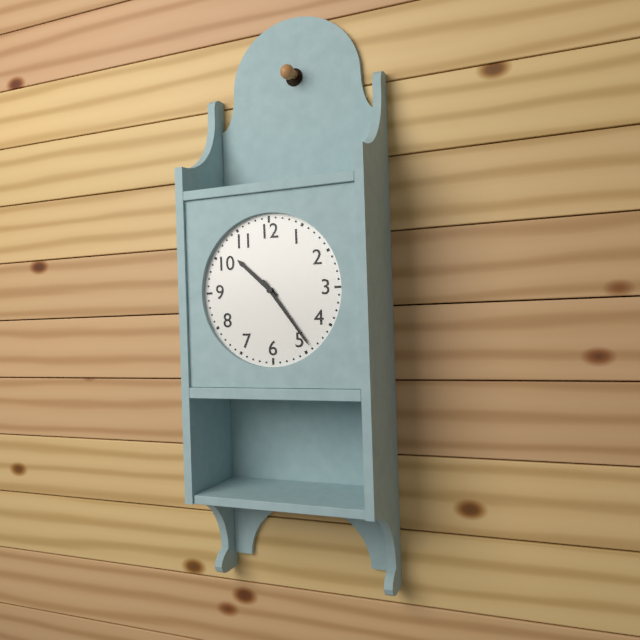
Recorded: h=10 m=24
